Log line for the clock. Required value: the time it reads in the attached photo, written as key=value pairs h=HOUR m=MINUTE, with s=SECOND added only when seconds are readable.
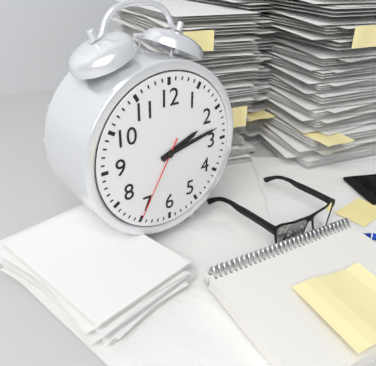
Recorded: h=2 m=13 s=35
